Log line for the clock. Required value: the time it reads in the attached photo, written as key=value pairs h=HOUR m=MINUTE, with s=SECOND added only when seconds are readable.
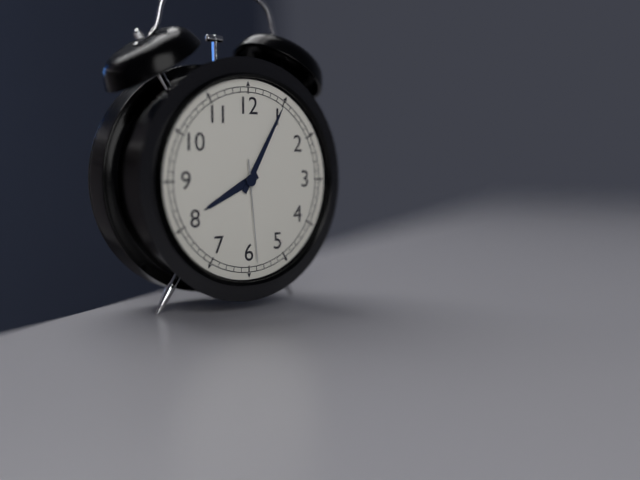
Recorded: h=8 m=5 s=29
